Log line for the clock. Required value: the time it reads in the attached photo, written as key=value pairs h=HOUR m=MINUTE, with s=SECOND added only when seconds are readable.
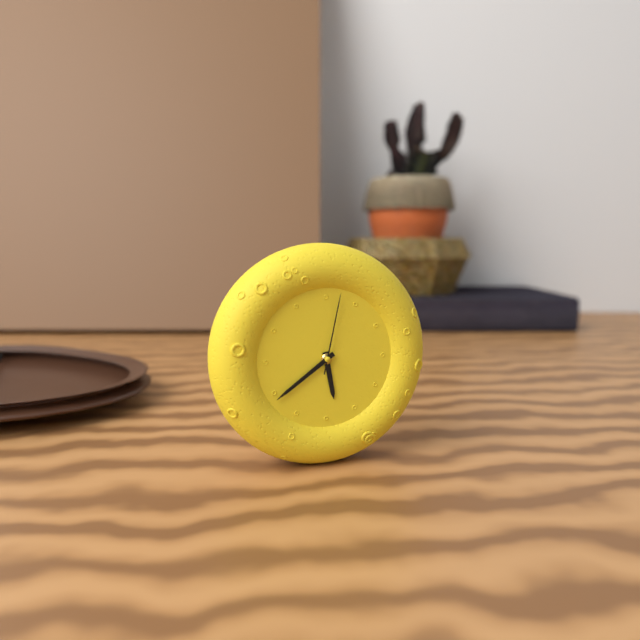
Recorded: h=5 m=39 s=2
